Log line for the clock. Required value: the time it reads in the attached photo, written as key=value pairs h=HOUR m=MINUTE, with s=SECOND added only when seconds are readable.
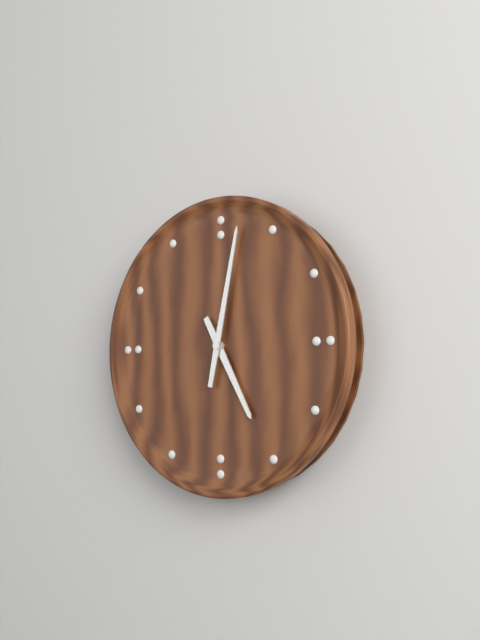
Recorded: h=5 m=2
